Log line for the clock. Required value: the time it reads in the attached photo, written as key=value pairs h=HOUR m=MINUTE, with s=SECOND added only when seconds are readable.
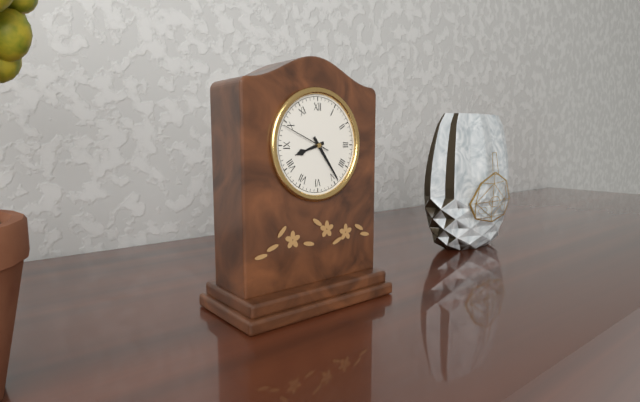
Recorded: h=8 m=24 s=49
